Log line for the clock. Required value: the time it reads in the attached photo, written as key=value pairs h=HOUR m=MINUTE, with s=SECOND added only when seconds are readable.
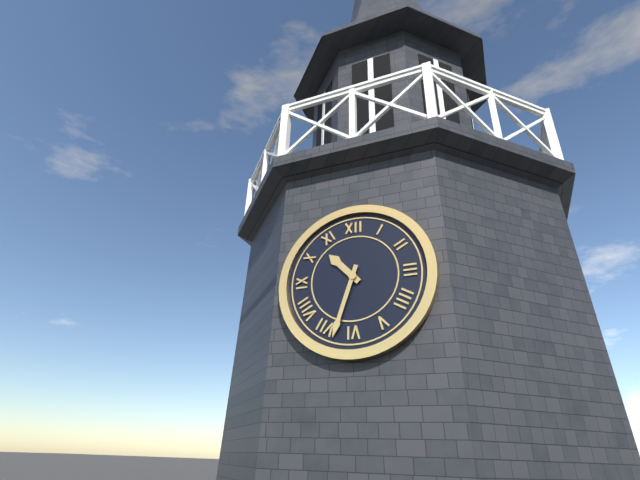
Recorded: h=10 m=33
